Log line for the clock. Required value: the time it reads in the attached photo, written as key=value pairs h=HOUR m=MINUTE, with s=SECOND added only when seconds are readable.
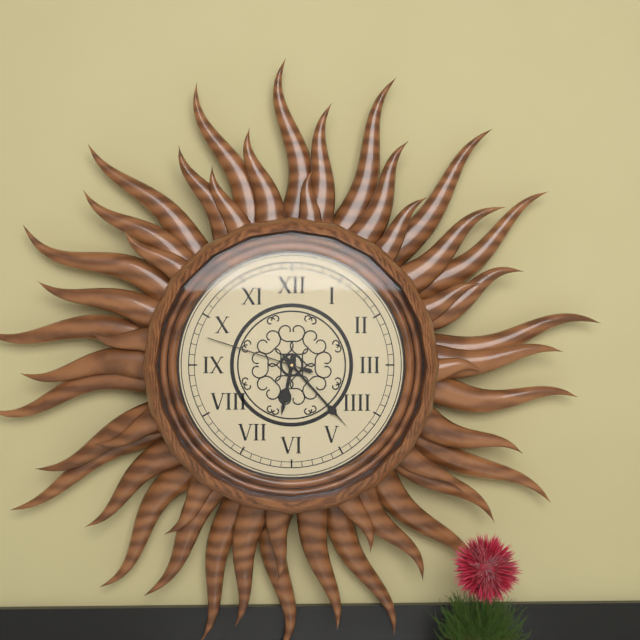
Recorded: h=6 m=23 s=48
